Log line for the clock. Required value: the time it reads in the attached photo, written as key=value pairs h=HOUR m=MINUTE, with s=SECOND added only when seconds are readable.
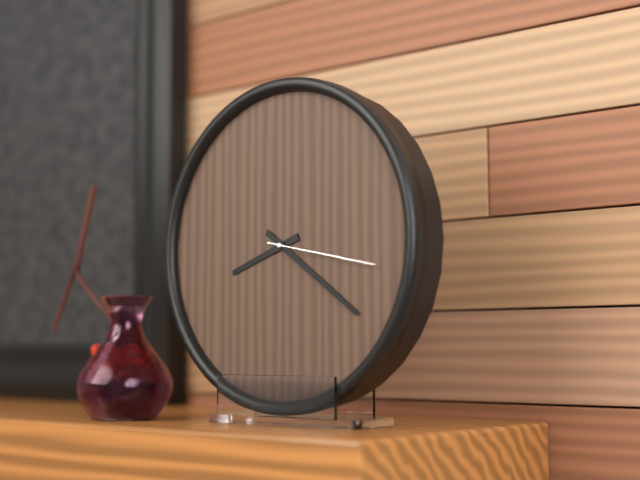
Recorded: h=8 m=21 s=17
